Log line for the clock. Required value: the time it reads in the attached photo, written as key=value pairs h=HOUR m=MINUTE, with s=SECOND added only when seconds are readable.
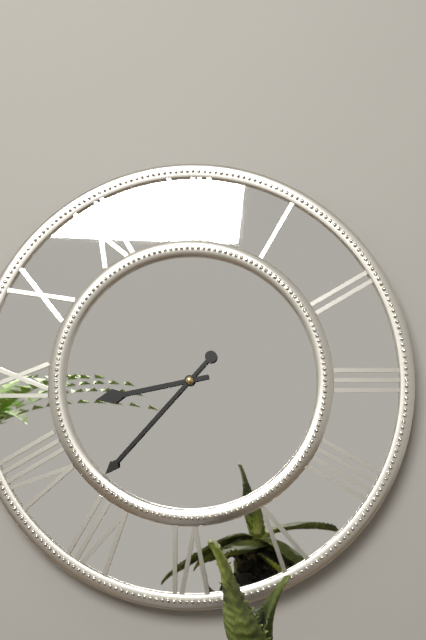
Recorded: h=8 m=37
